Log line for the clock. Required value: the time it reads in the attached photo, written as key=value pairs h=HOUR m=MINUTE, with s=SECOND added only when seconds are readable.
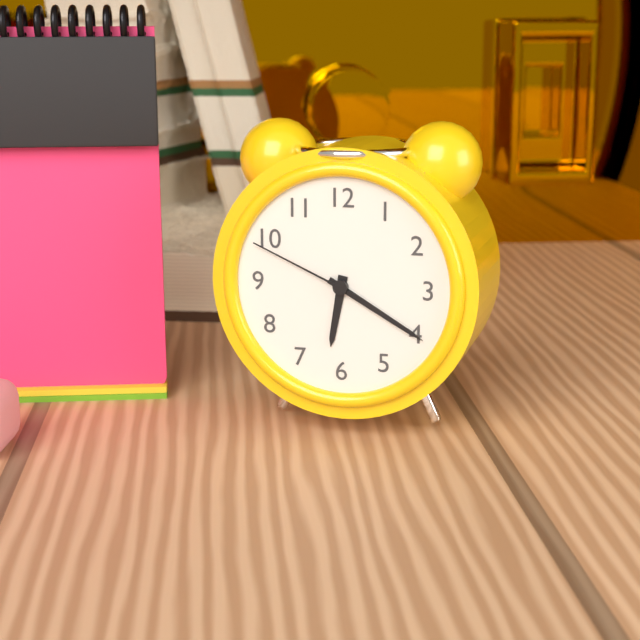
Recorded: h=6 m=20 s=49
